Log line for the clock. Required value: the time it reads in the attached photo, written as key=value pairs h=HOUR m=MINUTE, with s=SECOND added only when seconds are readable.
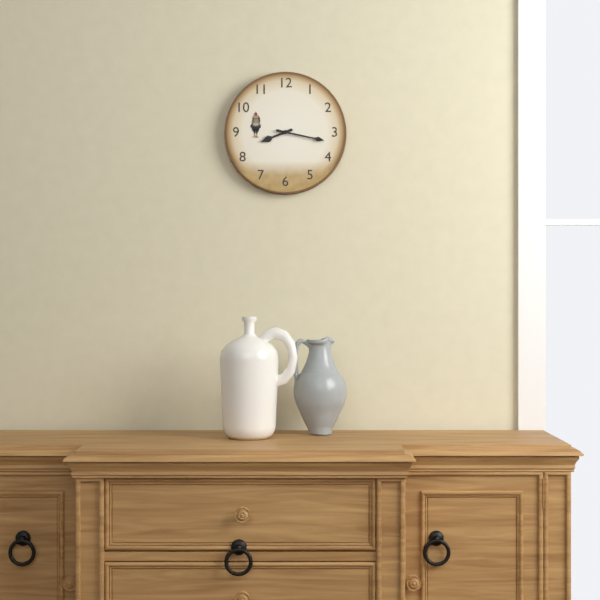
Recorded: h=8 m=17
